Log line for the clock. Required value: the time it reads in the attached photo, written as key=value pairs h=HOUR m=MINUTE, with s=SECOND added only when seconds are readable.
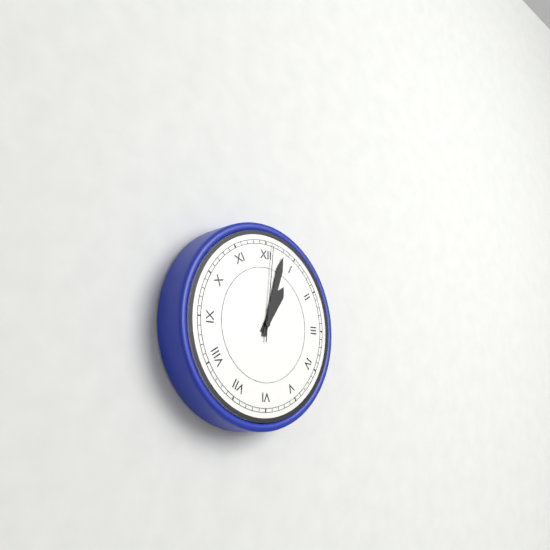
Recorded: h=1 m=3 s=1
